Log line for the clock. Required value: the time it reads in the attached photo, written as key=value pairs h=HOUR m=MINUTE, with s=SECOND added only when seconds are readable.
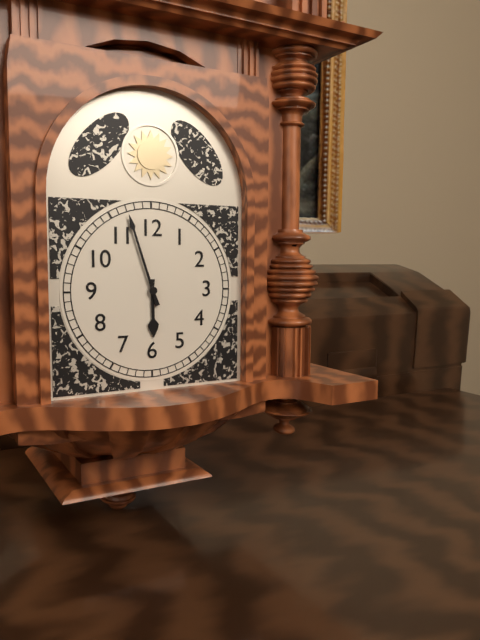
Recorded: h=5 m=57
